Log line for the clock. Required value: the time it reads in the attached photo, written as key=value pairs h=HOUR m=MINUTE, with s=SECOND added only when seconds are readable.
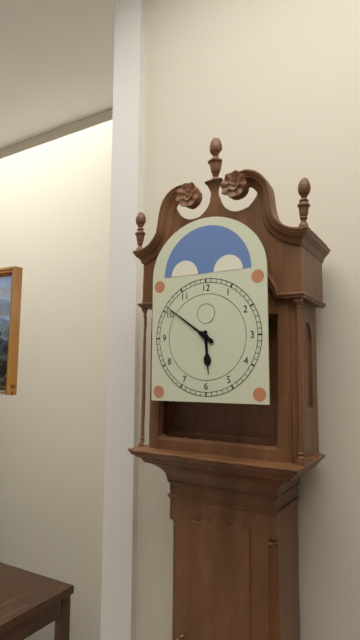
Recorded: h=5 m=51
